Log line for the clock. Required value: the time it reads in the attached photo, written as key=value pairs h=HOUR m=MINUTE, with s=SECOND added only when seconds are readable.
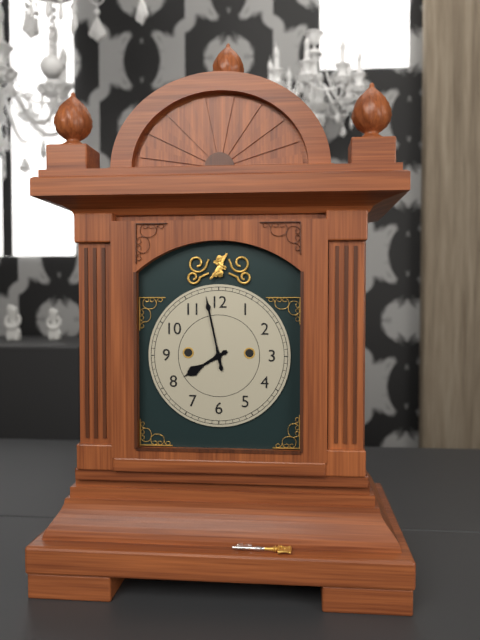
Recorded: h=7 m=58
